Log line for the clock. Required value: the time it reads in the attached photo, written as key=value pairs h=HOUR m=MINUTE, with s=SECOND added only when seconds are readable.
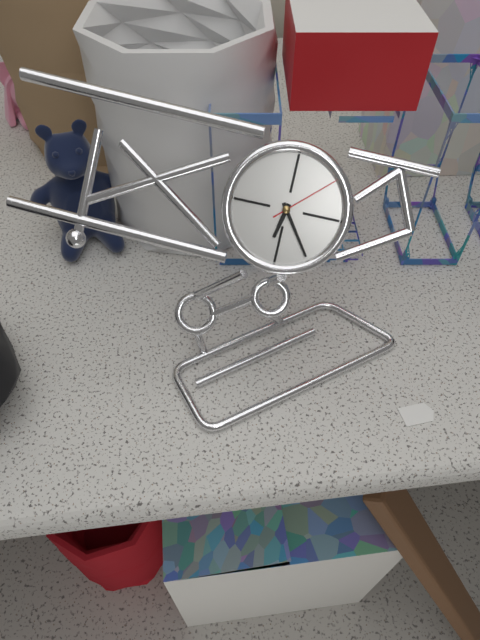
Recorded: h=6 m=24 s=8
